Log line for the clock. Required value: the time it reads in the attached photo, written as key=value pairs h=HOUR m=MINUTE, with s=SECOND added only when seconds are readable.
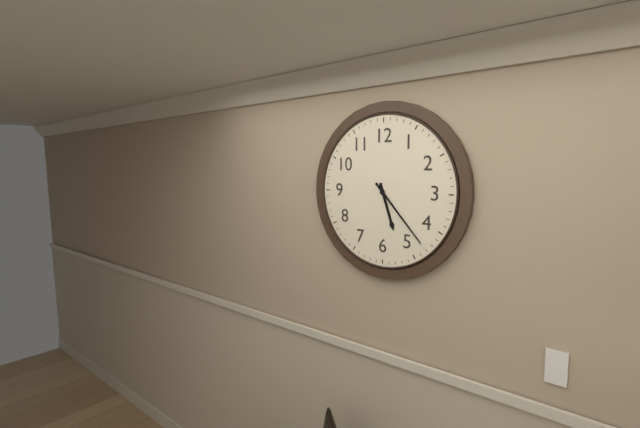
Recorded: h=5 m=23
